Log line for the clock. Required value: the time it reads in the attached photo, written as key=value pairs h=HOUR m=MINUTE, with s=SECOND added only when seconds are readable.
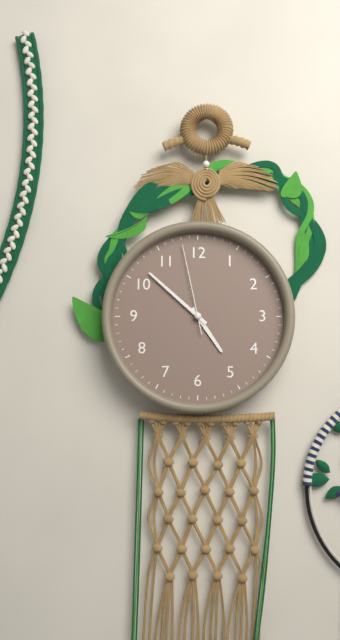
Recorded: h=4 m=52 s=58
